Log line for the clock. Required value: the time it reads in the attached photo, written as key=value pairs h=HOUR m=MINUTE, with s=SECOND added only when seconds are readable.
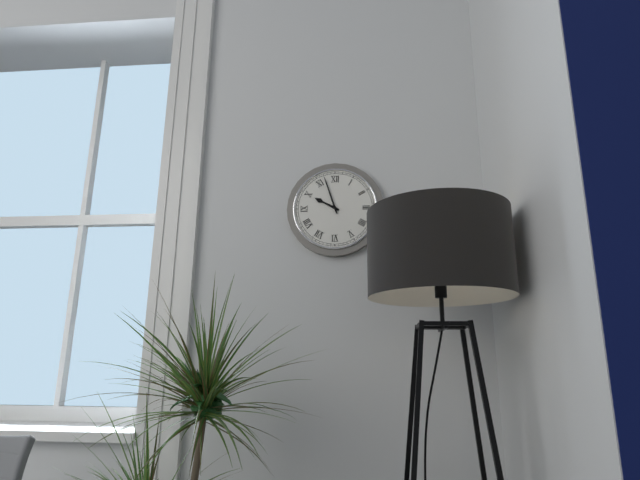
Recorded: h=9 m=57
